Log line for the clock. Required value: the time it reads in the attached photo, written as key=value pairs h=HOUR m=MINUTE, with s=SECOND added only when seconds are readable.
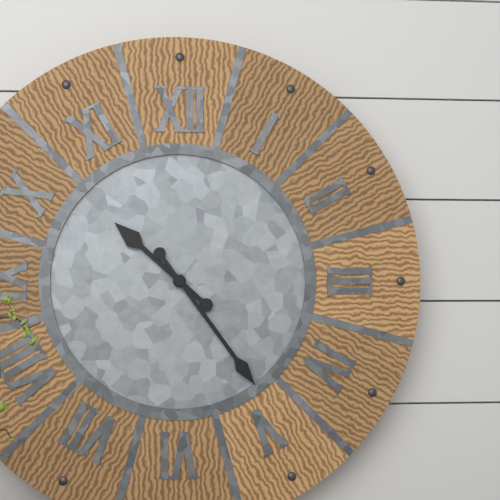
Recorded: h=10 m=24
